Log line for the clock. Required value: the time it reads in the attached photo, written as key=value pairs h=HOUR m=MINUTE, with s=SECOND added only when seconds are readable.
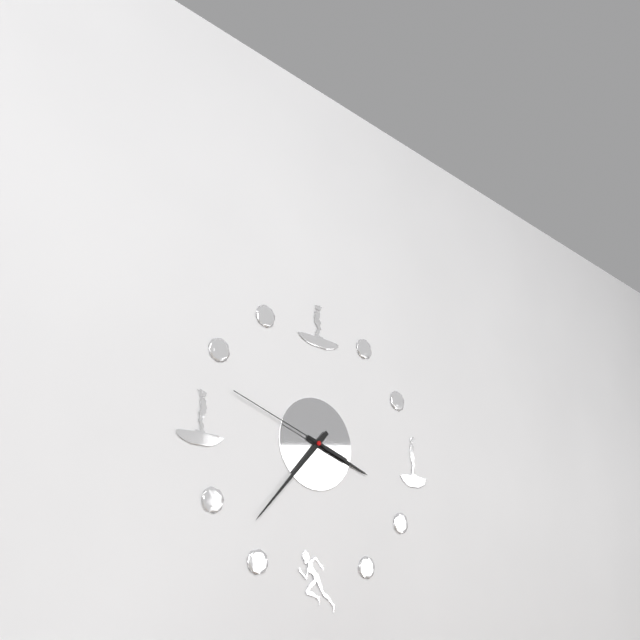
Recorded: h=3 m=37 s=48
